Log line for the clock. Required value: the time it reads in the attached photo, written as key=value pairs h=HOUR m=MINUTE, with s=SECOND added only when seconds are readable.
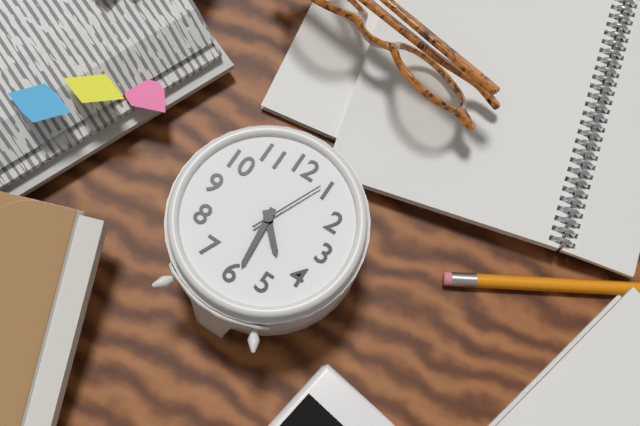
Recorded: h=4 m=29 s=4
